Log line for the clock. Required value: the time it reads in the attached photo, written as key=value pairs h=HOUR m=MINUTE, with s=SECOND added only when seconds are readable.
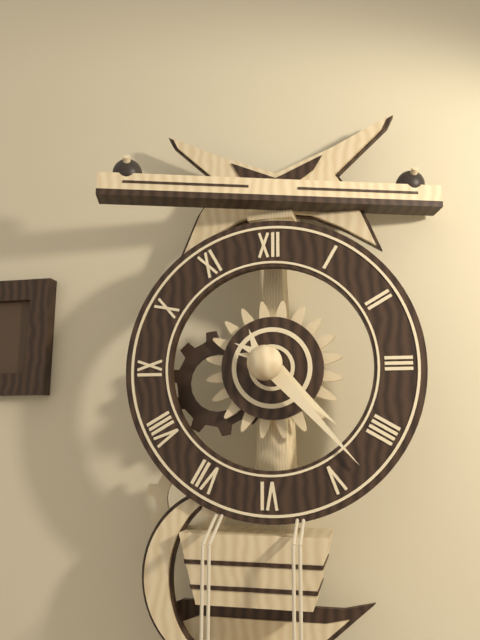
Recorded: h=4 m=23
